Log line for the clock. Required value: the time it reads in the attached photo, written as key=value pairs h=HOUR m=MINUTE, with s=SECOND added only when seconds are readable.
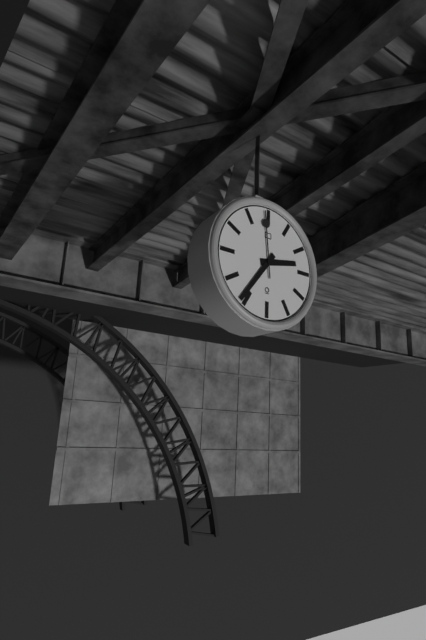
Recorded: h=2 m=36 s=59
